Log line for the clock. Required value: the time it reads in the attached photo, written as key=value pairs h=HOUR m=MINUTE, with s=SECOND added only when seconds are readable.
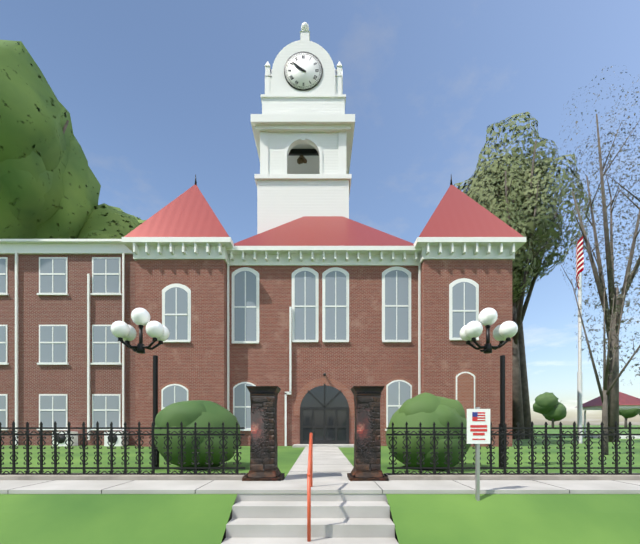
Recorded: h=9 m=51
